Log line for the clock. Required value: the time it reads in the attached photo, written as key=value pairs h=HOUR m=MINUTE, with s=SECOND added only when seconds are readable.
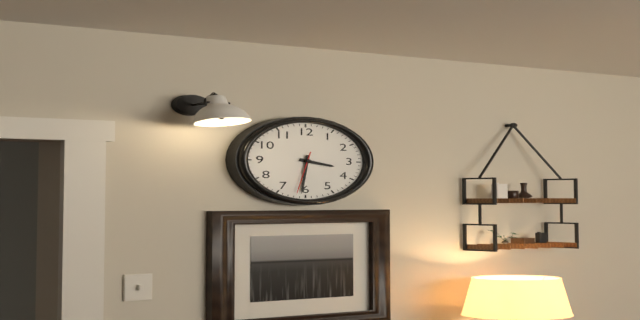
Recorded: h=3 m=31
